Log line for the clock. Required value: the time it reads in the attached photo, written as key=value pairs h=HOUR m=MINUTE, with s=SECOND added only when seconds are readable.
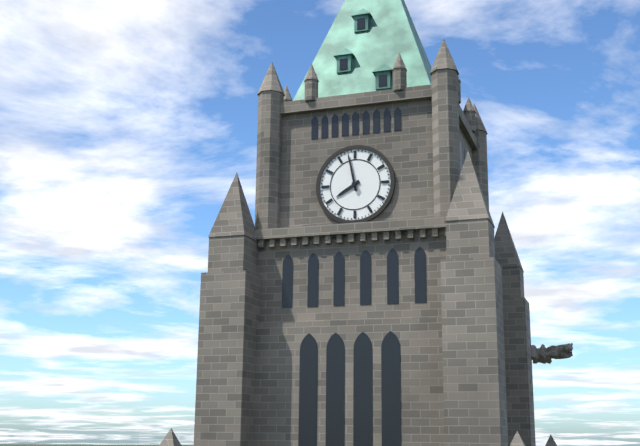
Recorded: h=7 m=58
